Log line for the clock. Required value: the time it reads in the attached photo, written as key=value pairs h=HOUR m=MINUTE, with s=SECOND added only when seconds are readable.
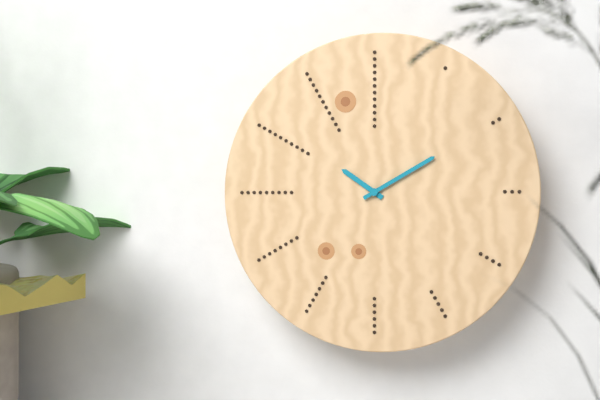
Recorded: h=10 m=10
